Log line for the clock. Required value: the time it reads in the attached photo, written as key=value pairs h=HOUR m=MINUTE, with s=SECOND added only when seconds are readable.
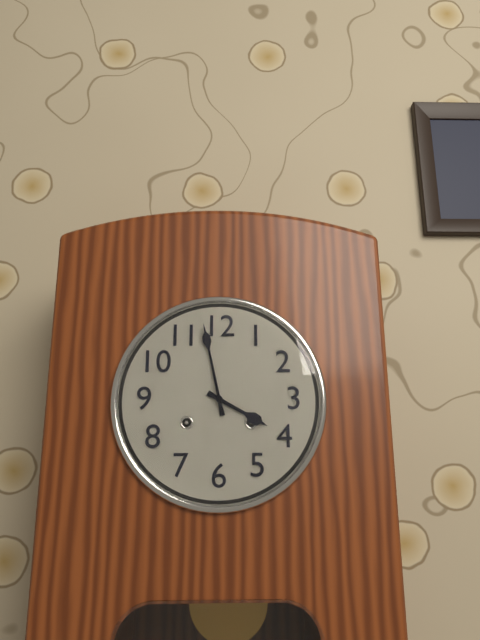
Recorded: h=3 m=58
